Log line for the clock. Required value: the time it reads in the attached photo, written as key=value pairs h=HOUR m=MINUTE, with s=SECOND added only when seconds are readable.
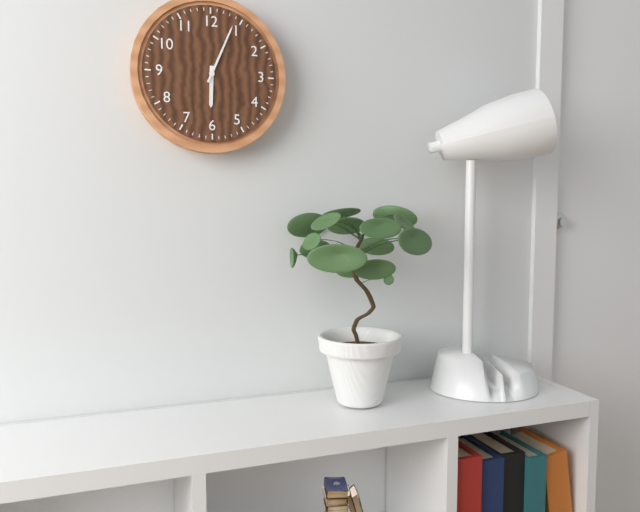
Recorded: h=6 m=4
